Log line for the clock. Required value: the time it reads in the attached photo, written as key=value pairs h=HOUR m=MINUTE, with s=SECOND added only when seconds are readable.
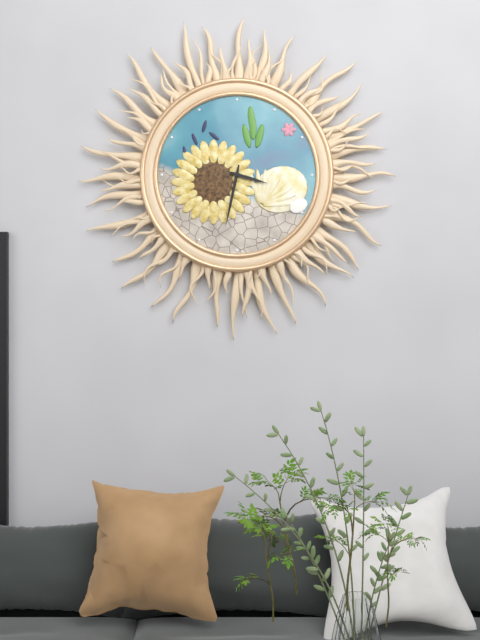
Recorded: h=3 m=32
